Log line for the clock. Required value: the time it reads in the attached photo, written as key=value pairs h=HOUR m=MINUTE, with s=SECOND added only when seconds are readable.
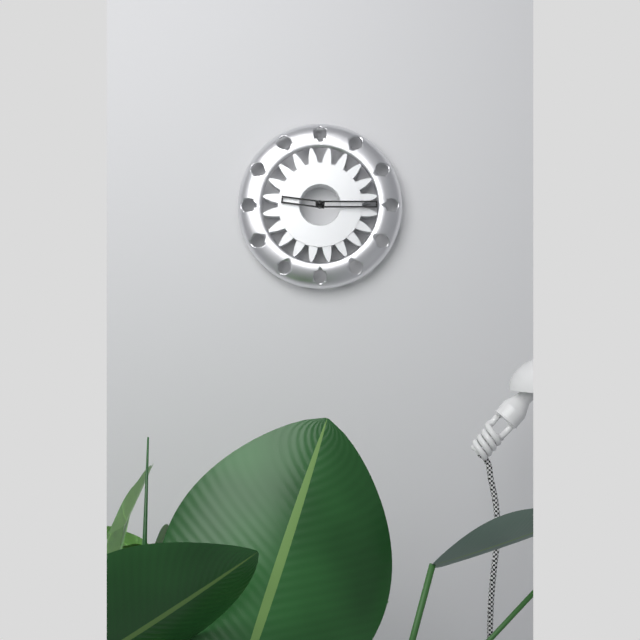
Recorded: h=9 m=15
